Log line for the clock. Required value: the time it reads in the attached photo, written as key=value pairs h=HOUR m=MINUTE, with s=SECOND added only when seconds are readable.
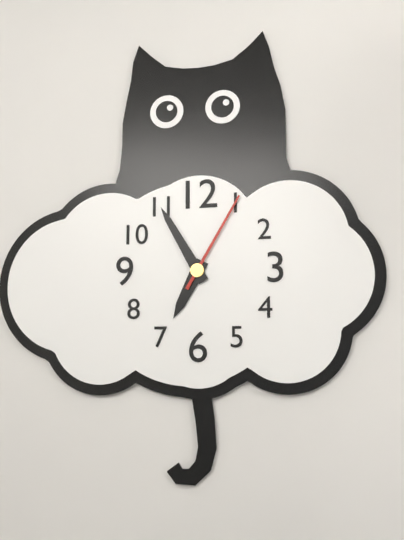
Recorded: h=6 m=55 s=5
